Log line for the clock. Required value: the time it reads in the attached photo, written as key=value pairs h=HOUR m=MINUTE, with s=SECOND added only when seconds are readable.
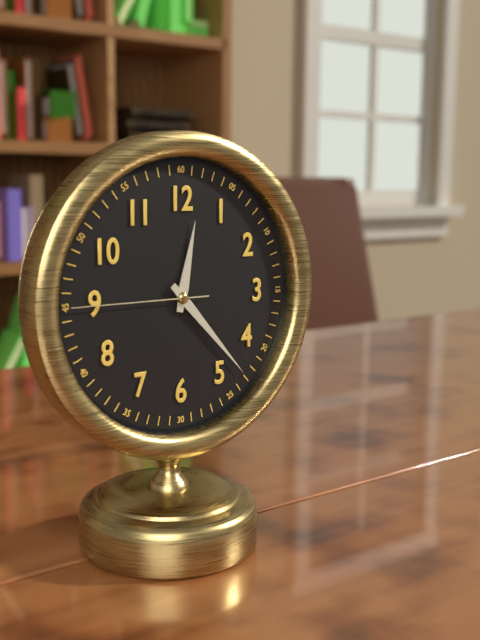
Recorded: h=12 m=23 s=45
